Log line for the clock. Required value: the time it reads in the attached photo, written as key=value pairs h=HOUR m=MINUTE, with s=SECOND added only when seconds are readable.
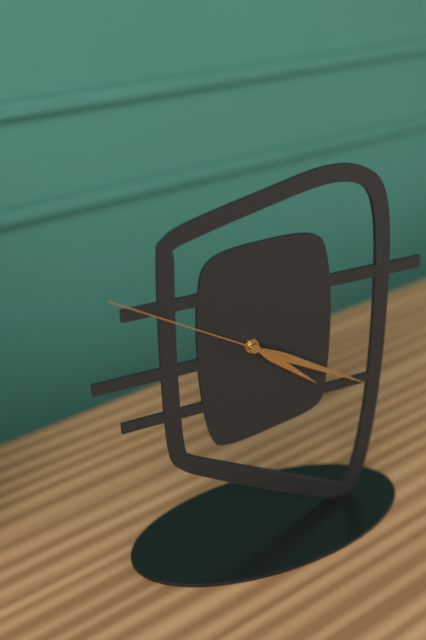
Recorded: h=4 m=20 s=50
